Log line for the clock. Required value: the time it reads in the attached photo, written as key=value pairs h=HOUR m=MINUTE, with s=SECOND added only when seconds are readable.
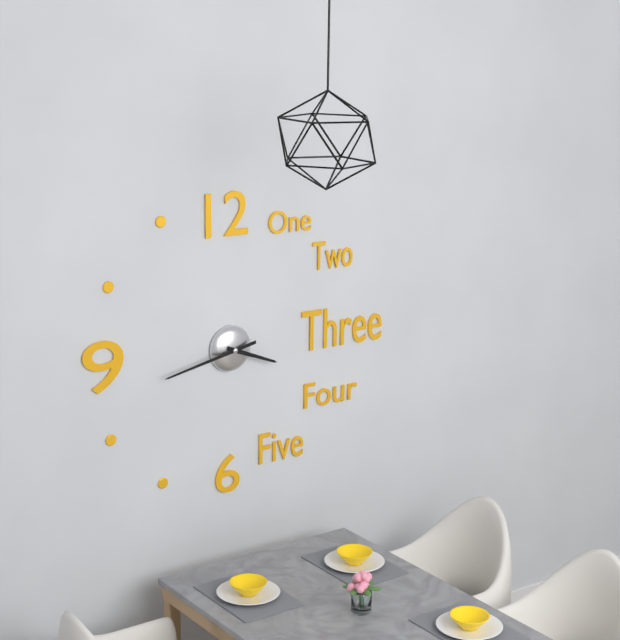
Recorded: h=3 m=43
